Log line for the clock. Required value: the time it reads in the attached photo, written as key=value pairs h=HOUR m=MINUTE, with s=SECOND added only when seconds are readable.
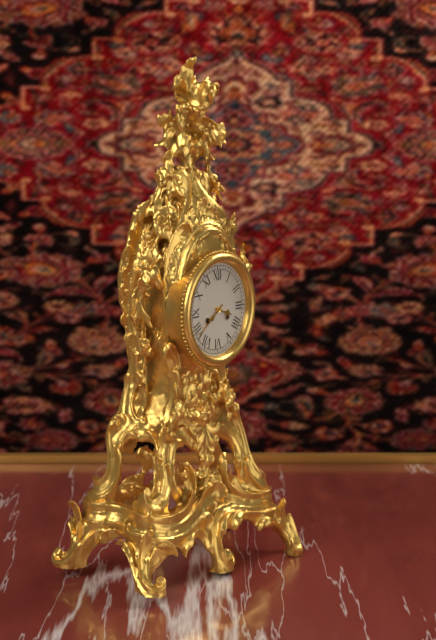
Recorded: h=3 m=39
